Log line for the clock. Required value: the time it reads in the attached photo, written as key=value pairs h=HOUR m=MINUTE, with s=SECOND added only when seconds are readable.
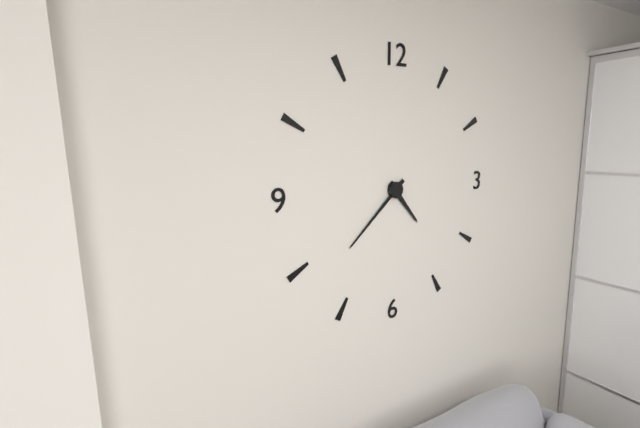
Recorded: h=4 m=38
